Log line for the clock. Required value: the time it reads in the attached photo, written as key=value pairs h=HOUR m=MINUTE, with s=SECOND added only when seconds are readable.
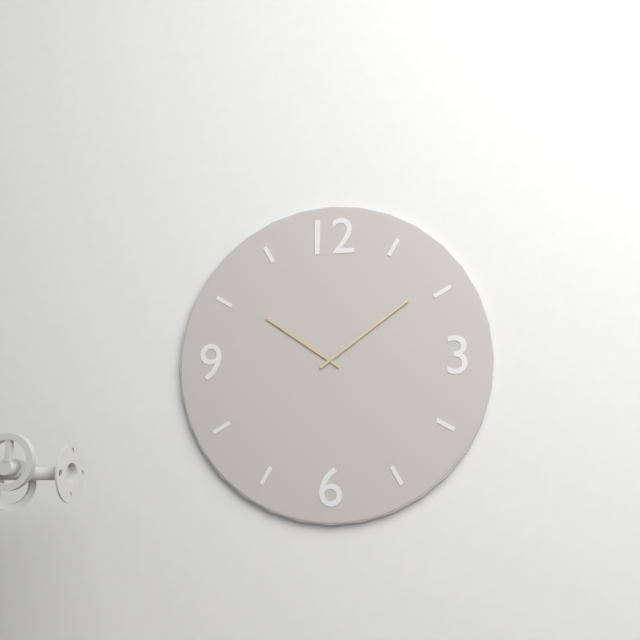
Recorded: h=10 m=9
